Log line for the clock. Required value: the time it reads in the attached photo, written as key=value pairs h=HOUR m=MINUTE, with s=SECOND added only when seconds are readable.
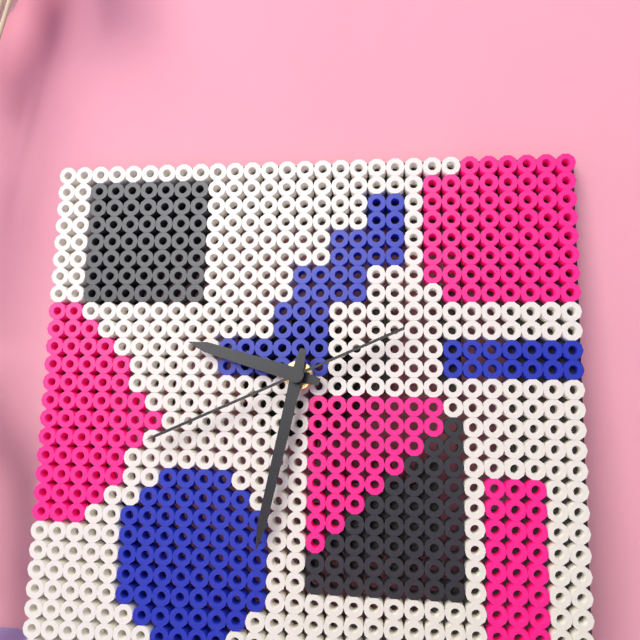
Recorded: h=9 m=32 s=41
